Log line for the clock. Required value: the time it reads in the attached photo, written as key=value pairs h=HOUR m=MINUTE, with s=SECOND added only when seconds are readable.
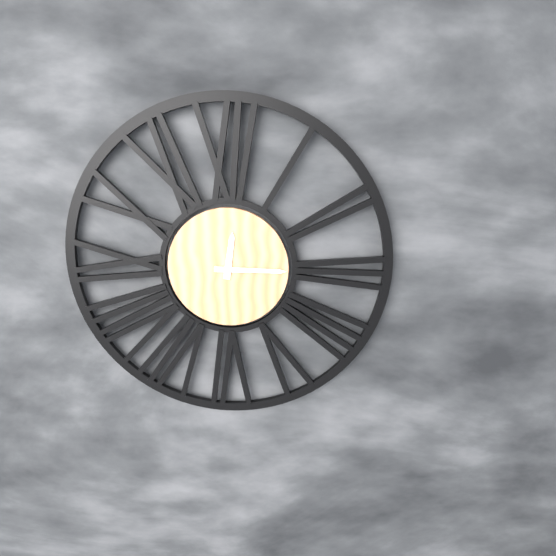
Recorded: h=12 m=15
